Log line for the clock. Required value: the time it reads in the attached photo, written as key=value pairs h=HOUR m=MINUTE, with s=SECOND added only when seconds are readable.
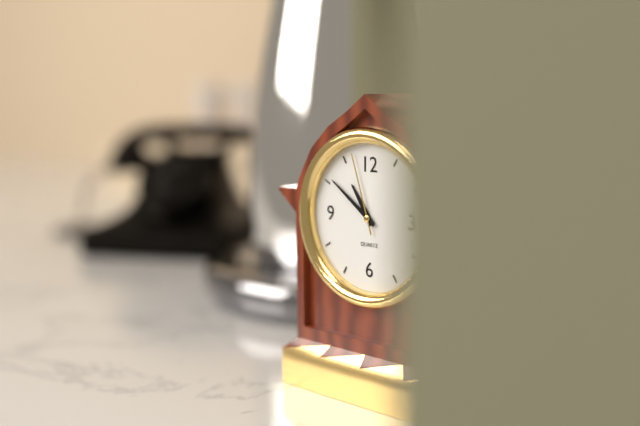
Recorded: h=10 m=51 s=57
